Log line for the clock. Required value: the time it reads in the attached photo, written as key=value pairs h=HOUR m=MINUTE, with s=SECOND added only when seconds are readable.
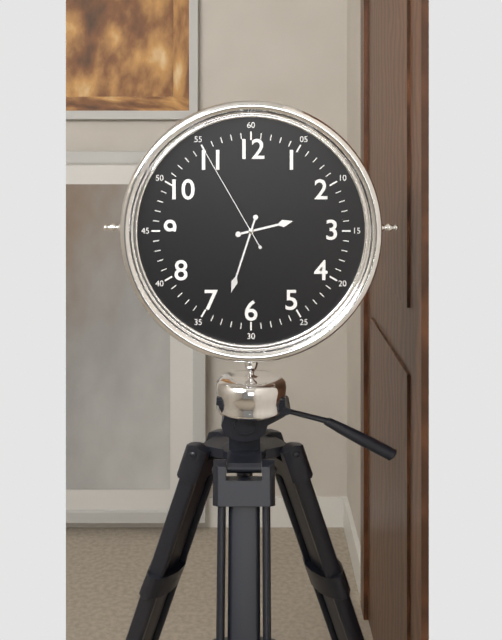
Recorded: h=2 m=33 s=55
